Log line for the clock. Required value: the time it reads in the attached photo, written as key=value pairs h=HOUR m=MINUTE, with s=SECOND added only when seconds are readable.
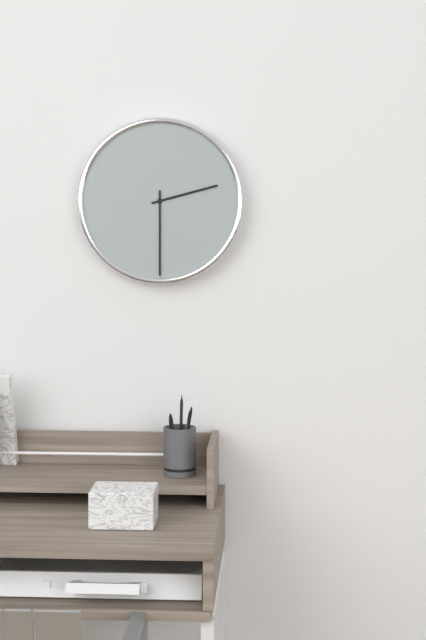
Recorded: h=2 m=30
